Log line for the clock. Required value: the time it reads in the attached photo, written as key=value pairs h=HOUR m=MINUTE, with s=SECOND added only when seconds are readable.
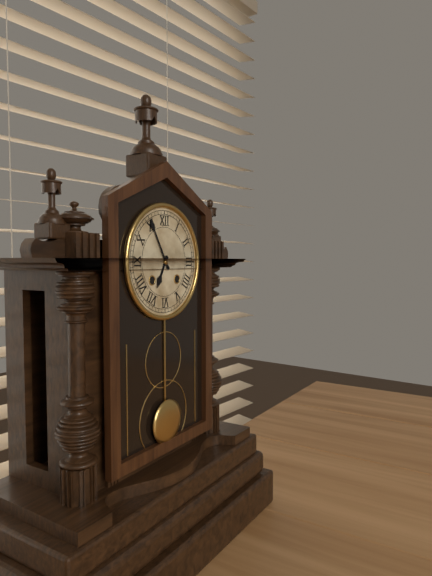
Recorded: h=6 m=55
